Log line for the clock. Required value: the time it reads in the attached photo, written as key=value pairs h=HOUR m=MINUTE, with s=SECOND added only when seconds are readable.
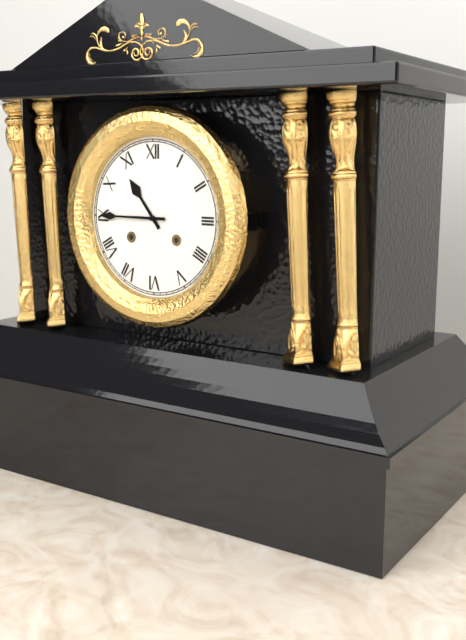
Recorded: h=10 m=45
